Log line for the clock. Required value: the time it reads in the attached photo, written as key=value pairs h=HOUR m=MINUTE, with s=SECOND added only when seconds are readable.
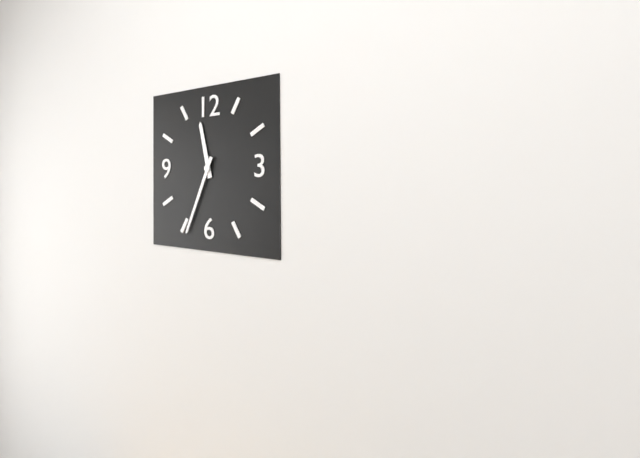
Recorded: h=11 m=34
